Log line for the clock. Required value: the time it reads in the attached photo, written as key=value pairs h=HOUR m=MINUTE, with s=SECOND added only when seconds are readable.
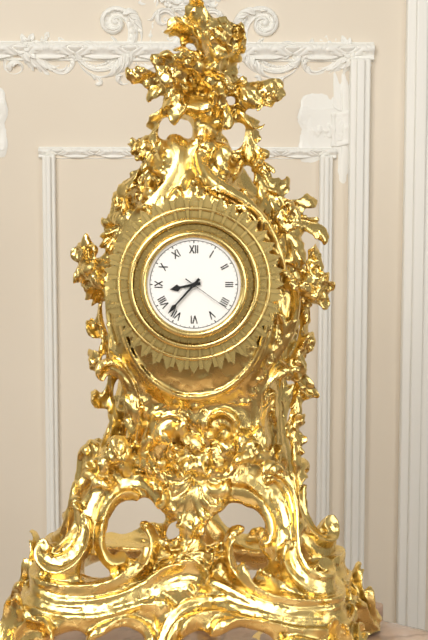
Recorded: h=8 m=37 s=21
